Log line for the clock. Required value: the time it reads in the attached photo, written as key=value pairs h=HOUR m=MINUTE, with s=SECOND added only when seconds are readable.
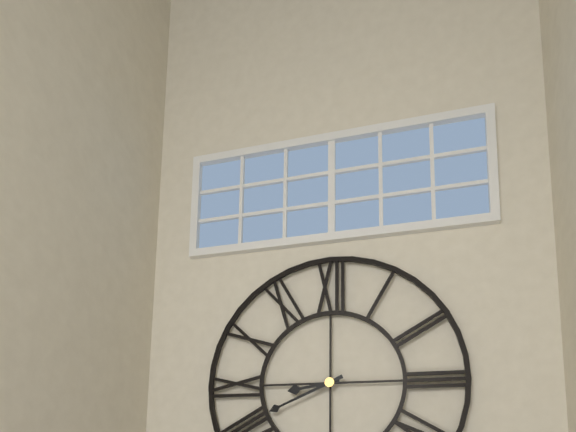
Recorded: h=8 m=41
